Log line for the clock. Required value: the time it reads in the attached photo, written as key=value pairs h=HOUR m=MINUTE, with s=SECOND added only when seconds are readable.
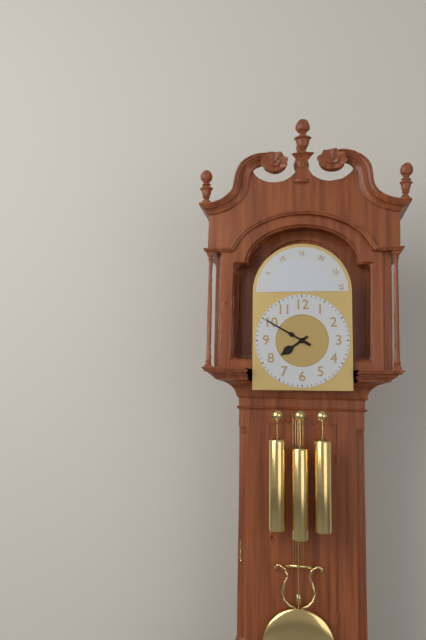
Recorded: h=7 m=50
